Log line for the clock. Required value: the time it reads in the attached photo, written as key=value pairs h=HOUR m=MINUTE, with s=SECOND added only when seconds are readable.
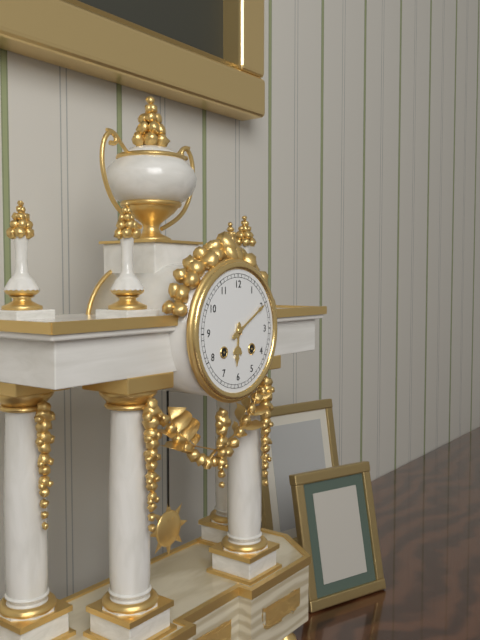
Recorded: h=6 m=10
